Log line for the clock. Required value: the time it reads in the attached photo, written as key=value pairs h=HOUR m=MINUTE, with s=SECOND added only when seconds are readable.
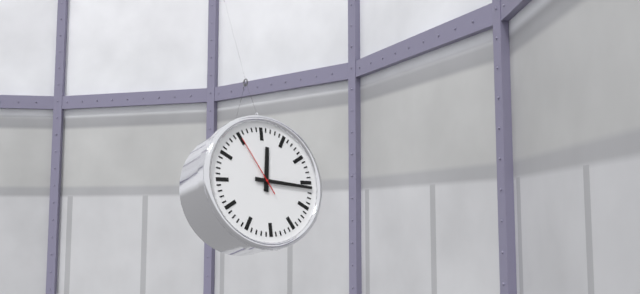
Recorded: h=12 m=16 s=55
